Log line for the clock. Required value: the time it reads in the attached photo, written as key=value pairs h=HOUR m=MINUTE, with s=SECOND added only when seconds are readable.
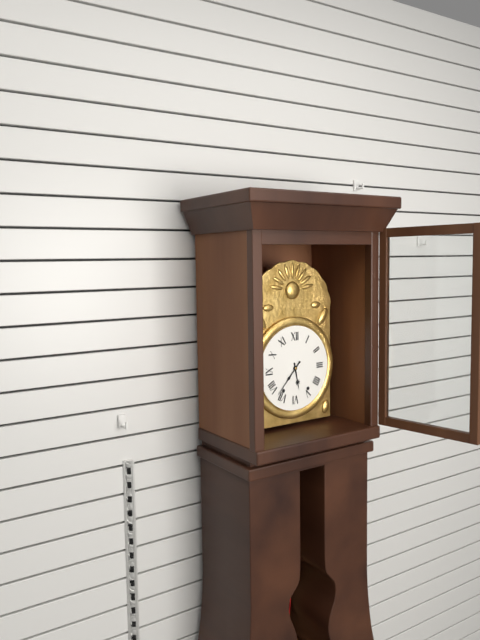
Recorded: h=5 m=37
